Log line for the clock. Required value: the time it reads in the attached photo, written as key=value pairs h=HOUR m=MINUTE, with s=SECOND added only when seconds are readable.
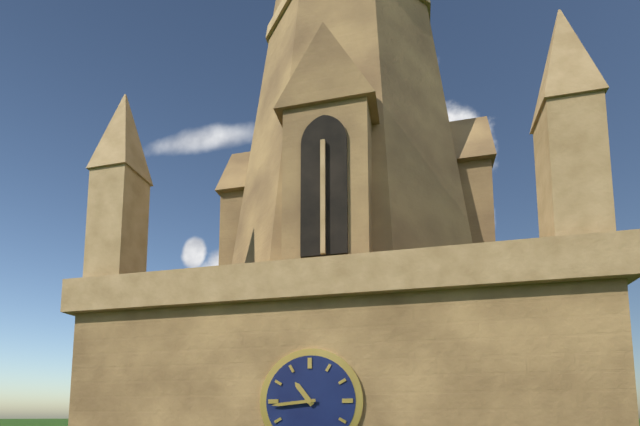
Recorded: h=10 m=44
